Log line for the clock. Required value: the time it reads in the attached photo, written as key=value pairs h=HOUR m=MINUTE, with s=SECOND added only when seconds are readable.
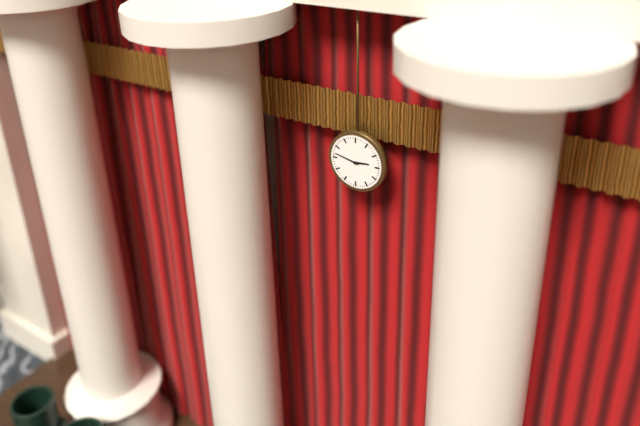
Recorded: h=2 m=47
